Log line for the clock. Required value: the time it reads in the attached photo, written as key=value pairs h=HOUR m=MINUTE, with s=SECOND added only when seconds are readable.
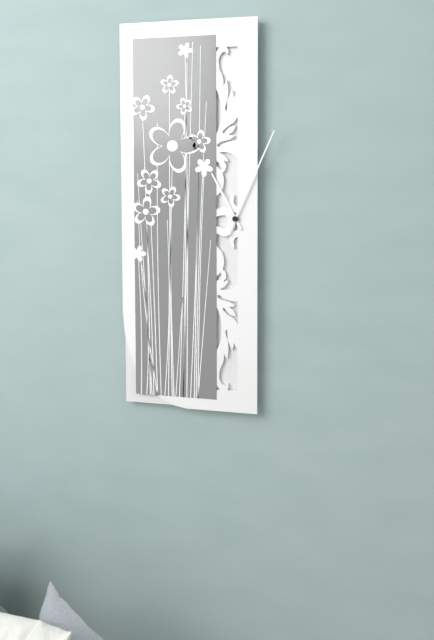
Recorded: h=11 m=4
